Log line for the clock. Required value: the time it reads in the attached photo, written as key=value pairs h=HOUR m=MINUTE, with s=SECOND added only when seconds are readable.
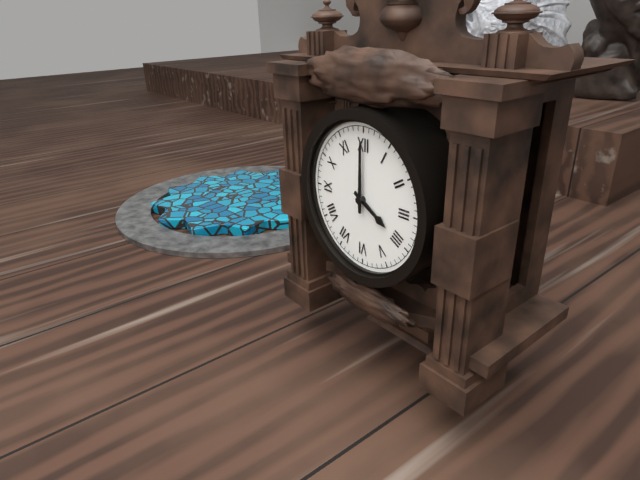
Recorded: h=4 m=0
